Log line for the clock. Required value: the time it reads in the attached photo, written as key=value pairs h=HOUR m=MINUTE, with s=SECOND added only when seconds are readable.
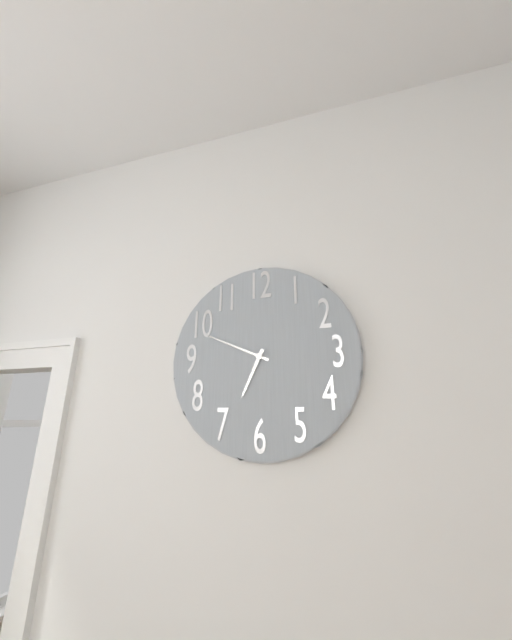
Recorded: h=6 m=49
